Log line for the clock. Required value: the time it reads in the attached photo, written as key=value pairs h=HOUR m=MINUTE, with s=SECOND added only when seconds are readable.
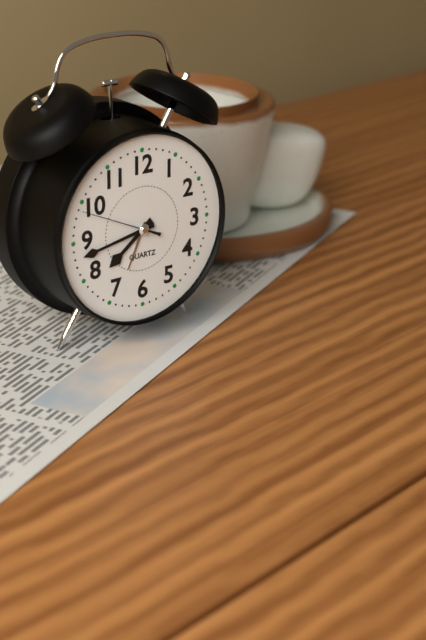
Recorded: h=7 m=43 s=49
